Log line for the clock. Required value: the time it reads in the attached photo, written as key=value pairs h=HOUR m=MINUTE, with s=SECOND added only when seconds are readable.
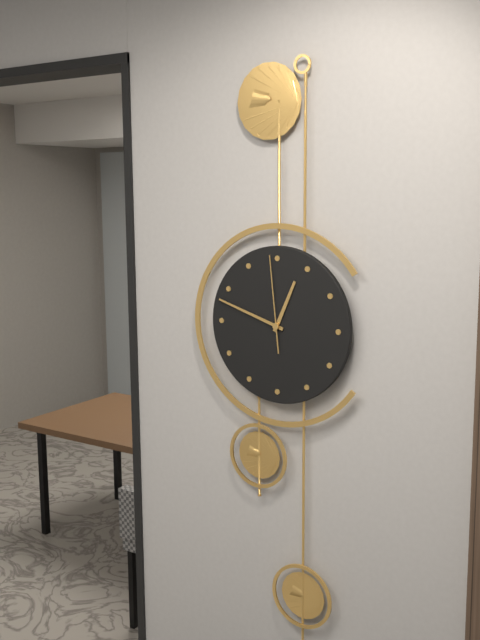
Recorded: h=12 m=48 s=59
